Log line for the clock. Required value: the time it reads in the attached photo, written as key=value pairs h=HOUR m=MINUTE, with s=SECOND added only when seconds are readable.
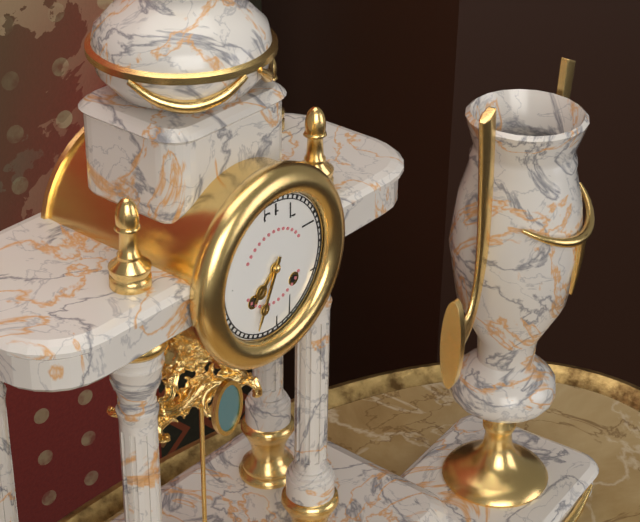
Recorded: h=7 m=34
